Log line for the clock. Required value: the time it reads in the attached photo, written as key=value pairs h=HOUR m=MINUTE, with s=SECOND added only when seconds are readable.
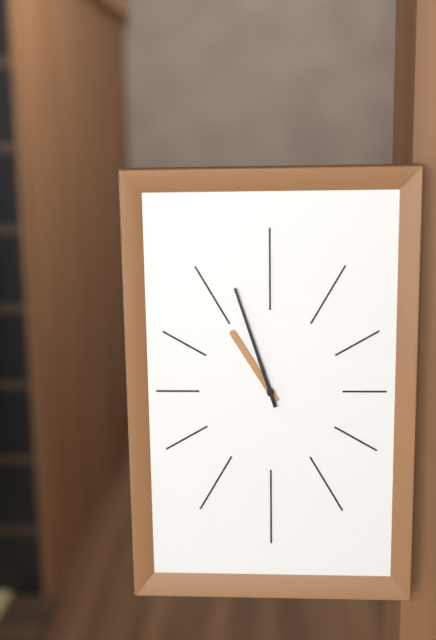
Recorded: h=10 m=57
